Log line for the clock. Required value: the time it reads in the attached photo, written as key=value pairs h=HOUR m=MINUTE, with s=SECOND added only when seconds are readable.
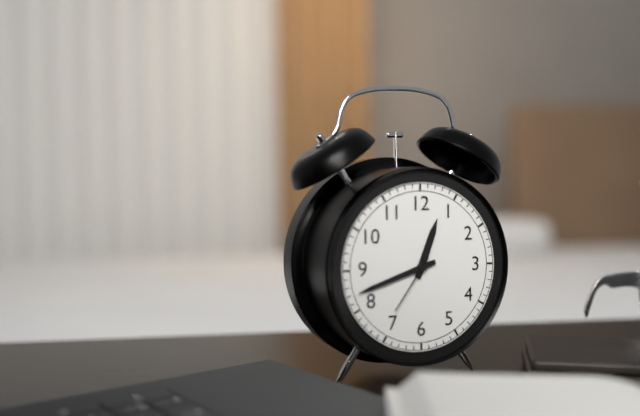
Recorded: h=12 m=42 s=36
